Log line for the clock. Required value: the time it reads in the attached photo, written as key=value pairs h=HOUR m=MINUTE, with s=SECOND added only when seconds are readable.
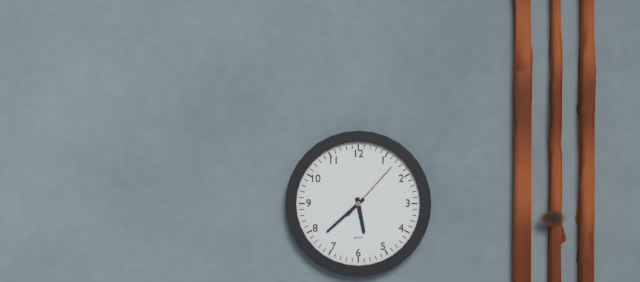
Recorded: h=5 m=38 s=7
